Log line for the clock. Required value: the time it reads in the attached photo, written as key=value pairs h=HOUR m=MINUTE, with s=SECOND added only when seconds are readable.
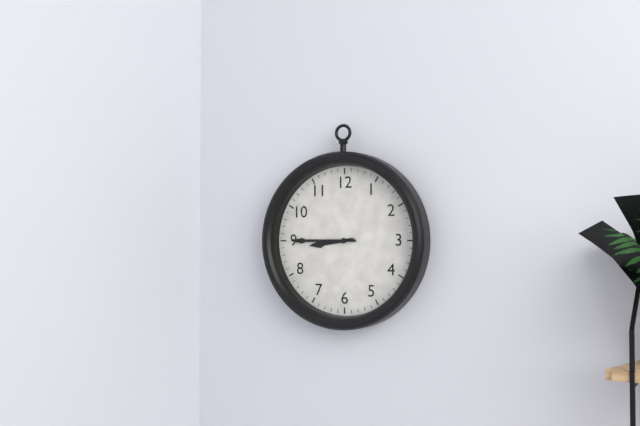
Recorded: h=8 m=45
